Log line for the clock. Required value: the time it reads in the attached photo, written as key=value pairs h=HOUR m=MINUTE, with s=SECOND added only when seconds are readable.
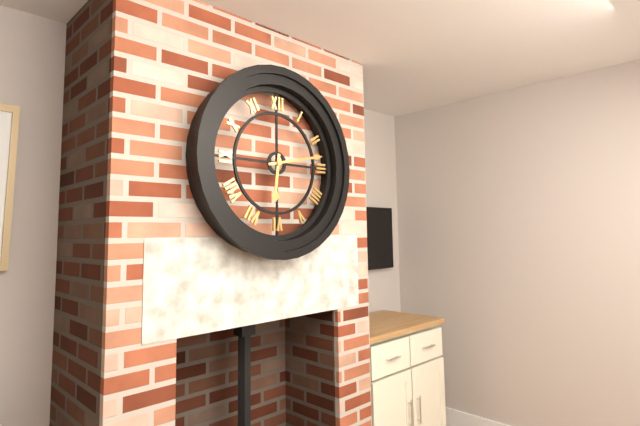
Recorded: h=6 m=13
